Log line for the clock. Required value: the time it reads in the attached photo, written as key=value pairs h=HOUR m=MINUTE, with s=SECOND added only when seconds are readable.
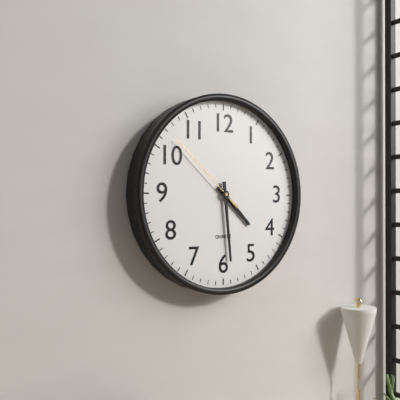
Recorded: h=4 m=29 s=52
